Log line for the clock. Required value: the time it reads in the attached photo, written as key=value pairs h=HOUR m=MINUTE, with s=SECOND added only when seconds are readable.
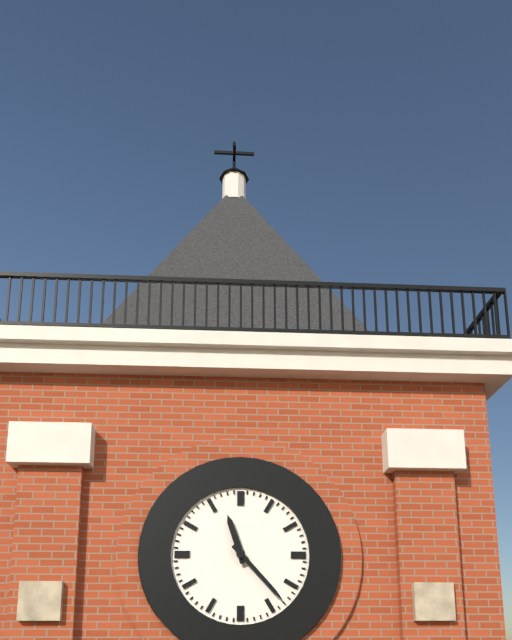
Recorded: h=11 m=23
